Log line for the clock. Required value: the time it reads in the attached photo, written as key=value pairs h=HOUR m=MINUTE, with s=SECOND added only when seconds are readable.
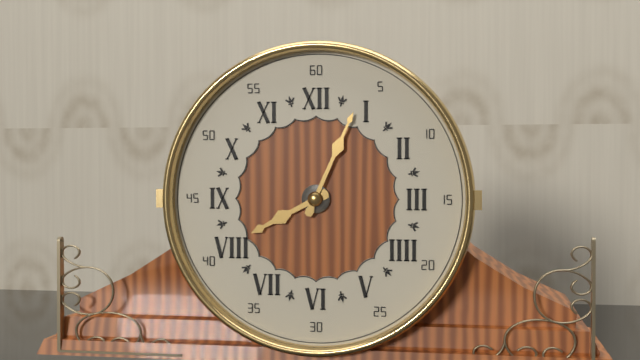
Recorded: h=8 m=4
